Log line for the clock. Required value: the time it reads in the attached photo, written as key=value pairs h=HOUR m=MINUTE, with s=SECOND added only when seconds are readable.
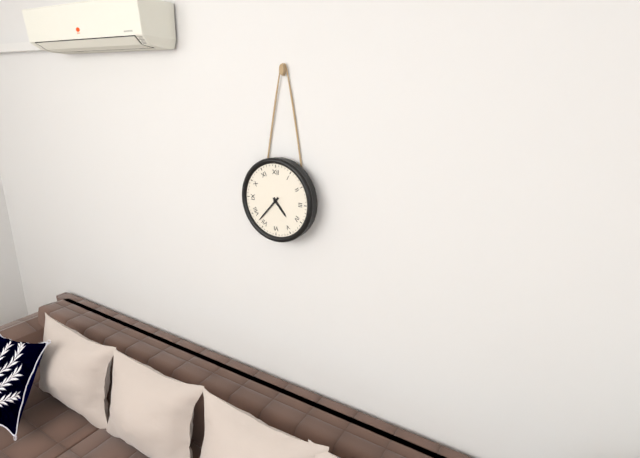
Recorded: h=4 m=37
